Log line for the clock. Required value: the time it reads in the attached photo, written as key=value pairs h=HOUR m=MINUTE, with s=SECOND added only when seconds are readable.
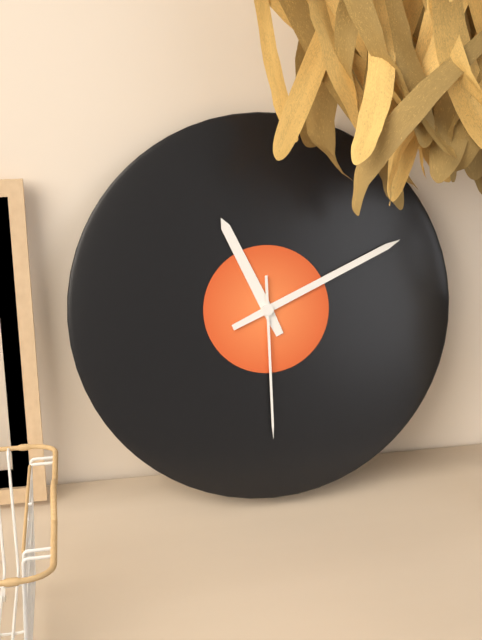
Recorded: h=11 m=11 s=30
